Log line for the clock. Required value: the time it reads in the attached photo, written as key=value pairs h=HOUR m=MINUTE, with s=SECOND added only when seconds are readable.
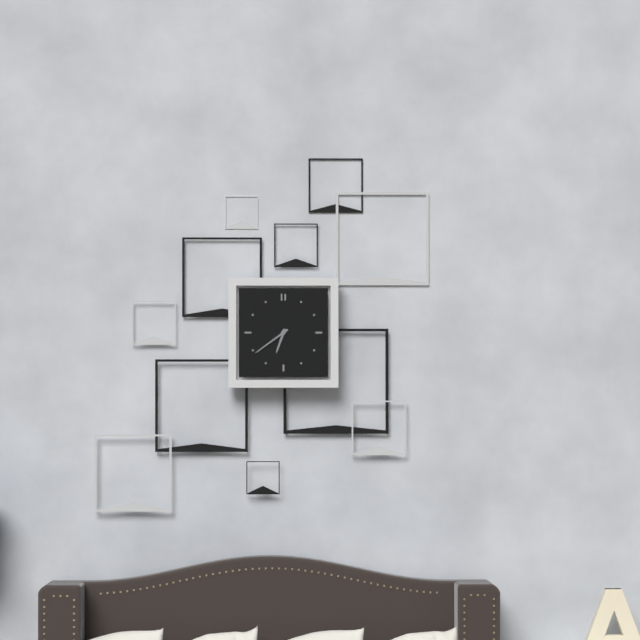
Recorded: h=6 m=39
